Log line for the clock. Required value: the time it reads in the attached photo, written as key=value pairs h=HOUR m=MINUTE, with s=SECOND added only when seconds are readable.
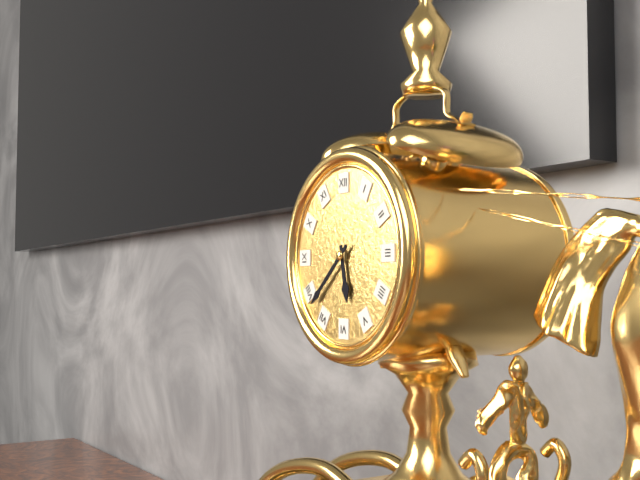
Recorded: h=5 m=38
